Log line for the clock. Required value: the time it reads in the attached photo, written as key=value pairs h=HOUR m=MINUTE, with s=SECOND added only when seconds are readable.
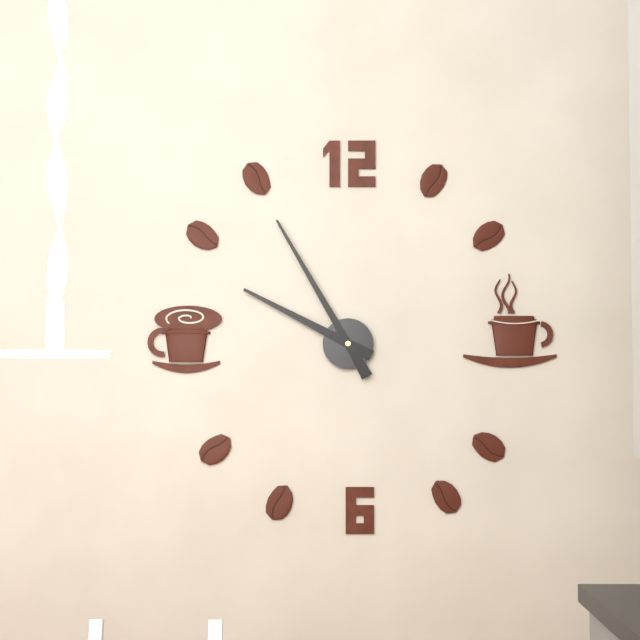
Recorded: h=9 m=55
